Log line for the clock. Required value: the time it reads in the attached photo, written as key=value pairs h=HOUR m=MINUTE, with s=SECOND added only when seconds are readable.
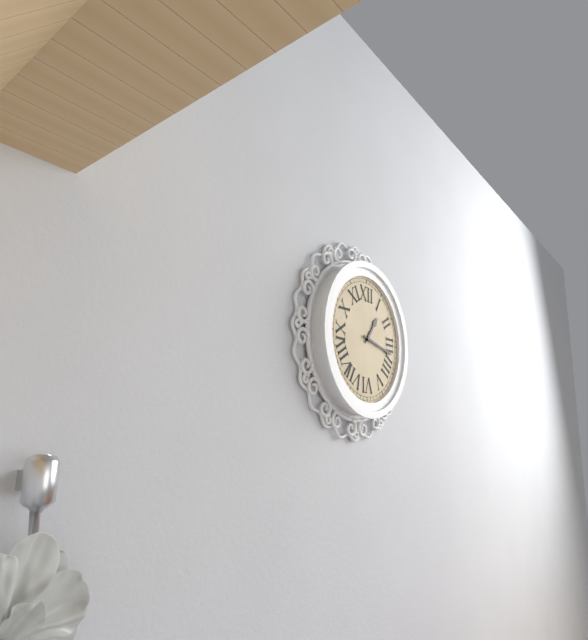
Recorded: h=1 m=17
